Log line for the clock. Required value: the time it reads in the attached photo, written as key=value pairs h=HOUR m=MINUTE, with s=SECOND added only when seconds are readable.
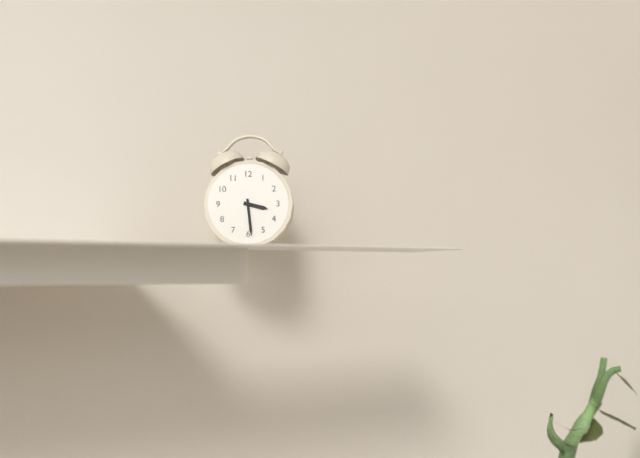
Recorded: h=3 m=29
